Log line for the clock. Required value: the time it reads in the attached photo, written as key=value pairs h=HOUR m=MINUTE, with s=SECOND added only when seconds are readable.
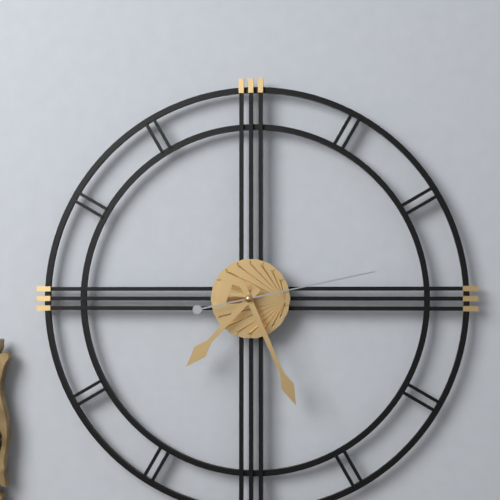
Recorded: h=7 m=26 s=13
